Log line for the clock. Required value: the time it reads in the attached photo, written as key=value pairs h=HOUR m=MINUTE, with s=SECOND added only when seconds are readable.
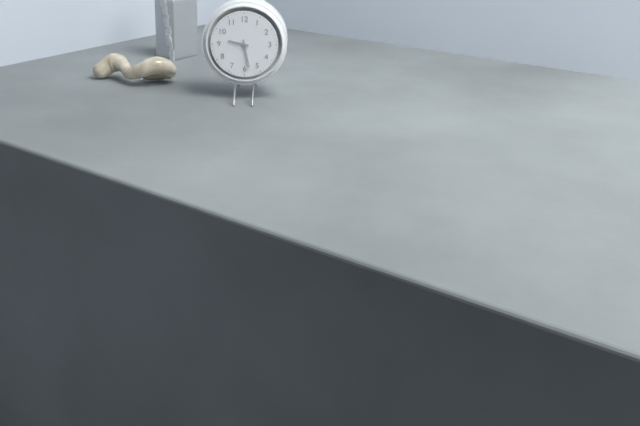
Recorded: h=9 m=28
